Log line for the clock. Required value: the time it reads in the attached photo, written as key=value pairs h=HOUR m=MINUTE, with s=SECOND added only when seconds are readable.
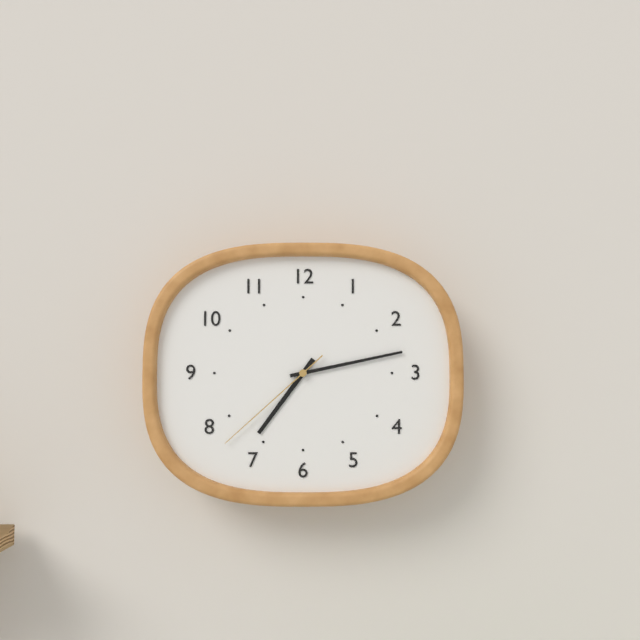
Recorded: h=7 m=13 s=38
